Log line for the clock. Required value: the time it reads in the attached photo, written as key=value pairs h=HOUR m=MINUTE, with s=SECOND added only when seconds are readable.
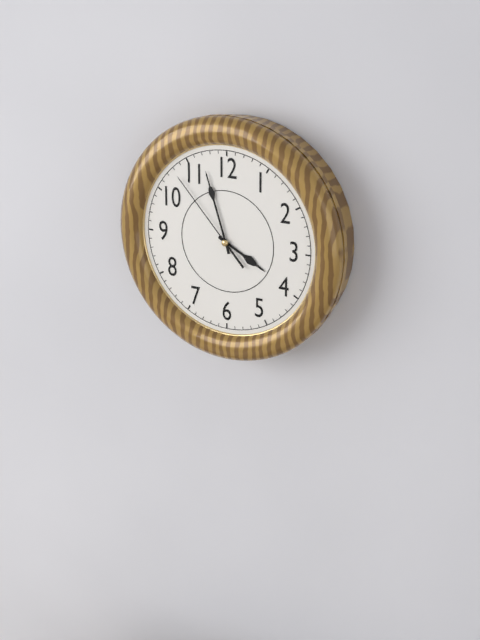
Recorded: h=3 m=57 s=53
